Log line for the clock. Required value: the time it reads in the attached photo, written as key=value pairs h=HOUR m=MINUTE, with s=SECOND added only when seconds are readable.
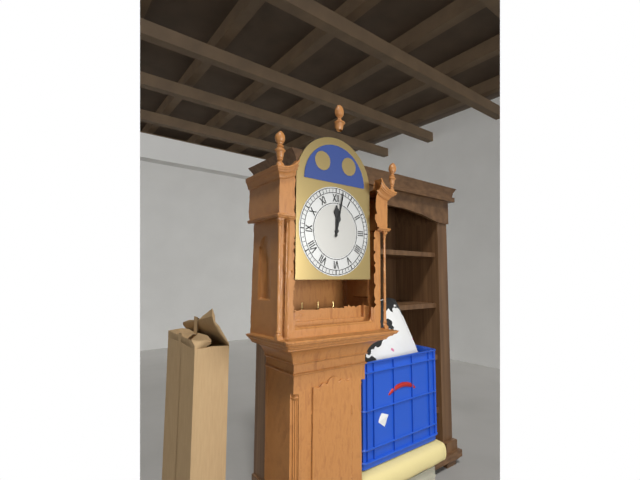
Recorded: h=12 m=2
